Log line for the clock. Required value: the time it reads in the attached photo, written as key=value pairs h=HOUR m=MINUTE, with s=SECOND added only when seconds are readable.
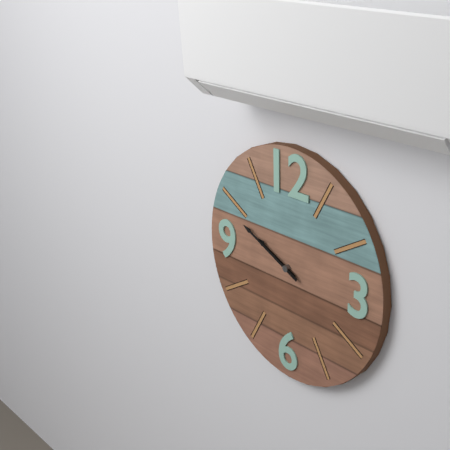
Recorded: h=9 m=49
